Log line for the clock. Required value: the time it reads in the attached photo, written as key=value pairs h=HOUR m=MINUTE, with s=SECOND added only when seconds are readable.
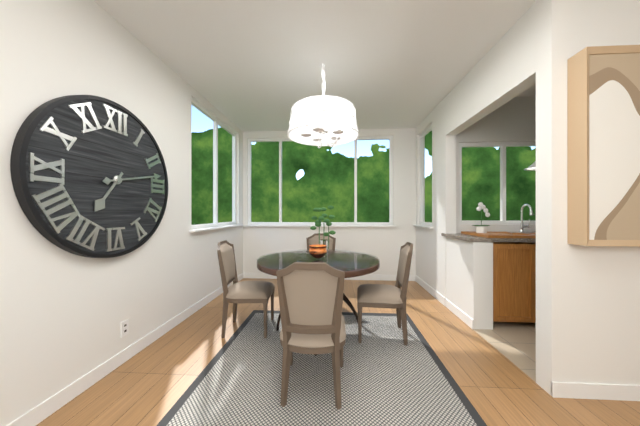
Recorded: h=7 m=13
